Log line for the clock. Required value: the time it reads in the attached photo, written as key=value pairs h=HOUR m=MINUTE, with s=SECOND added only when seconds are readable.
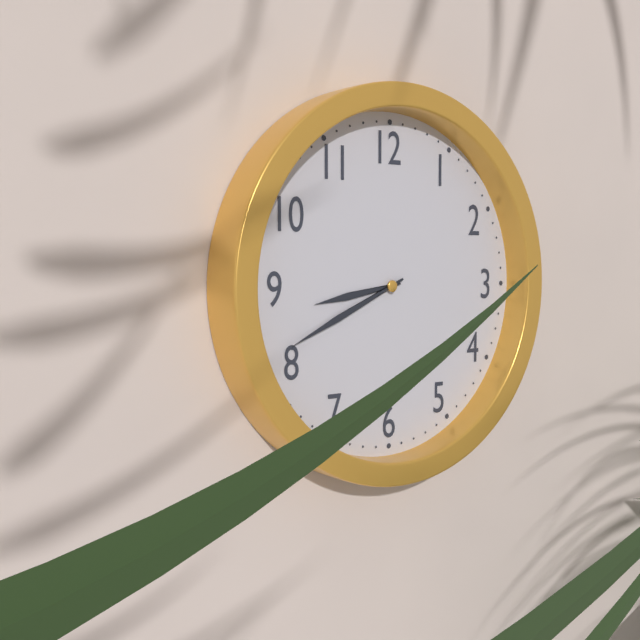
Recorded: h=8 m=41
